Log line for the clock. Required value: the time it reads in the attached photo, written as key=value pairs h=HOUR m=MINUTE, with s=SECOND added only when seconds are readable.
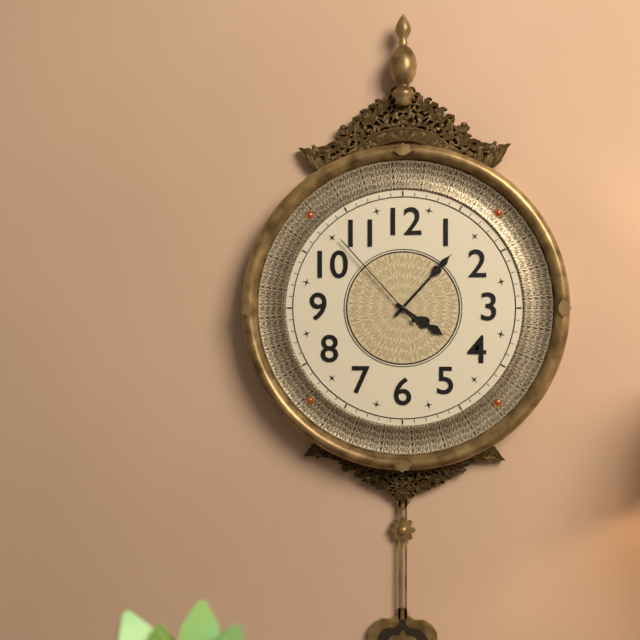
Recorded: h=4 m=7 s=53
